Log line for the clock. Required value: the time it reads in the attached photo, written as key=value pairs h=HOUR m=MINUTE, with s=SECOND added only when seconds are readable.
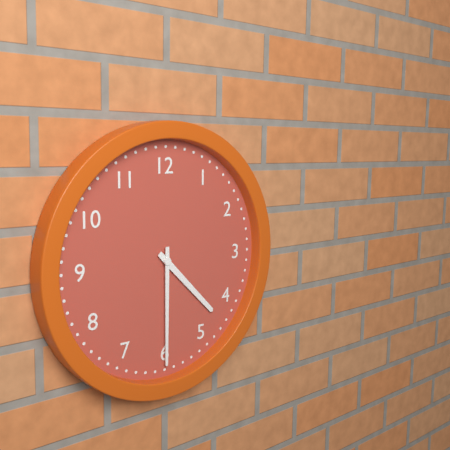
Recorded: h=4 m=30
